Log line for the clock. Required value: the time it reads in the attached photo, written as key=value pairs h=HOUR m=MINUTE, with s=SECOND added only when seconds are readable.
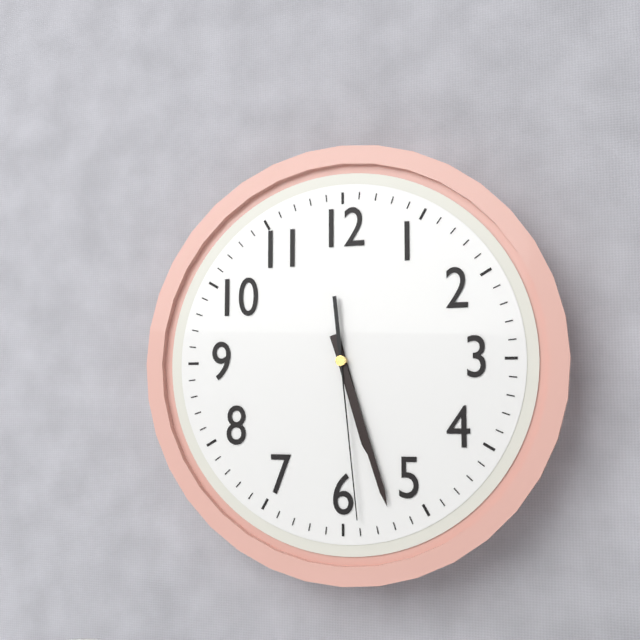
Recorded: h=5 m=27 s=29
